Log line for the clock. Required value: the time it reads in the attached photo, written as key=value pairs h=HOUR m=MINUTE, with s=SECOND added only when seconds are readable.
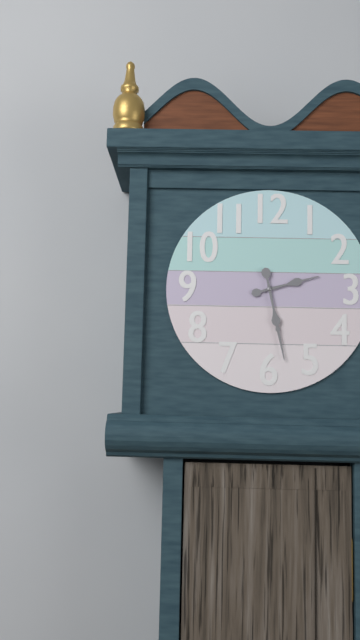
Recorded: h=2 m=28
